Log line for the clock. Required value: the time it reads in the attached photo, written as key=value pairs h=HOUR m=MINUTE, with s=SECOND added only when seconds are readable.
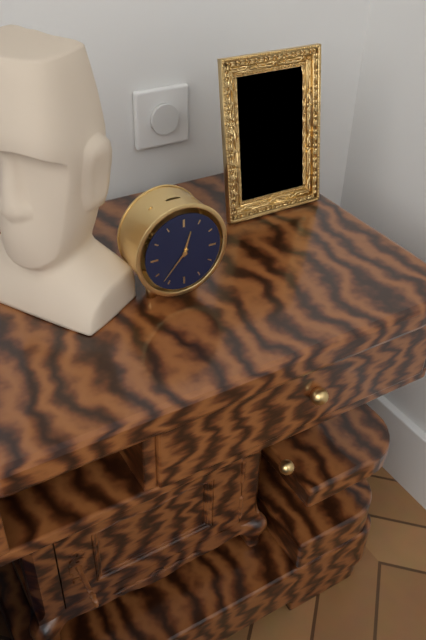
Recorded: h=12 m=37
